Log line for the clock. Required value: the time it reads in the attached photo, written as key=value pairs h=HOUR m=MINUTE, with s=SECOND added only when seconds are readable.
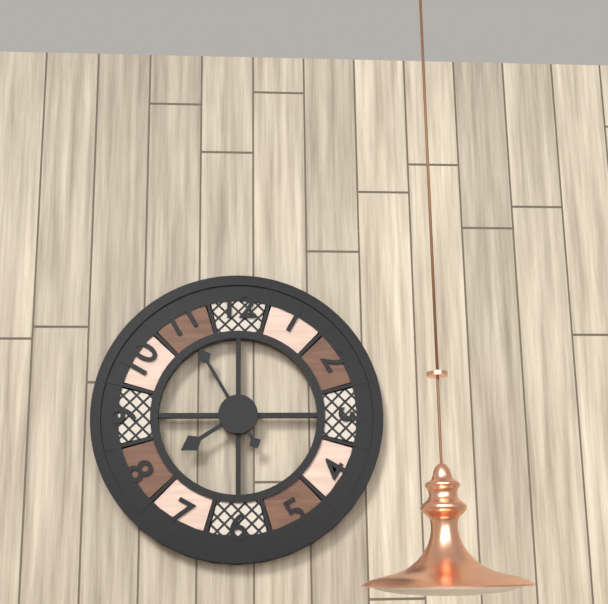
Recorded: h=7 m=55
